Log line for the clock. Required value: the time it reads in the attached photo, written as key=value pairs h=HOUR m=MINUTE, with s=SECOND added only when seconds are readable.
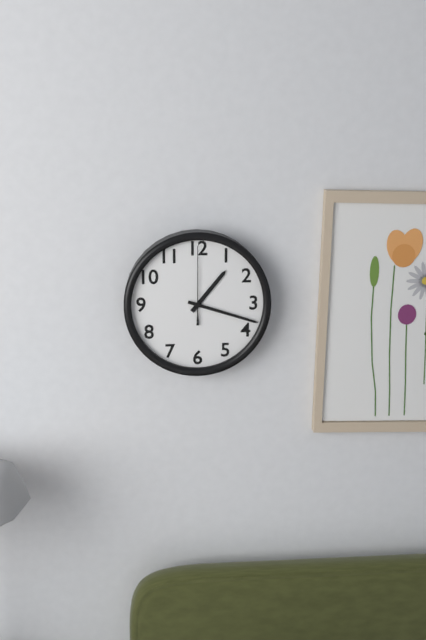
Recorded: h=1 m=18 s=0
